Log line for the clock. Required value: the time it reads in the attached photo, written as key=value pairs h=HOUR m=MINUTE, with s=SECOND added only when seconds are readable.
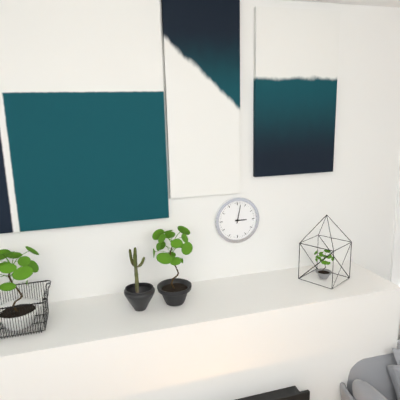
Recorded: h=3 m=2
